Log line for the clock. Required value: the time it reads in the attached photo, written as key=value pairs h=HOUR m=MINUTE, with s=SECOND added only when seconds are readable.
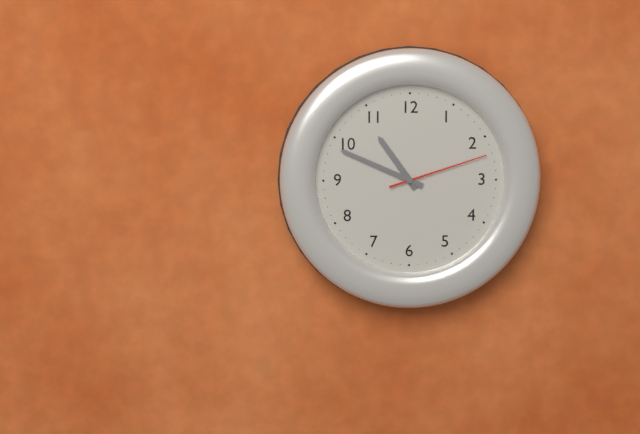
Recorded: h=10 m=49 s=12
